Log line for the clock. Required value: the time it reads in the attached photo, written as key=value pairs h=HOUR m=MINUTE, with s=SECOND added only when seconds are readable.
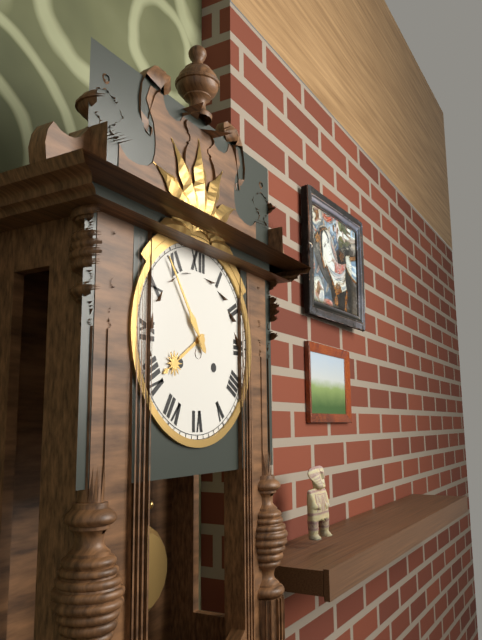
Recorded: h=7 m=54
